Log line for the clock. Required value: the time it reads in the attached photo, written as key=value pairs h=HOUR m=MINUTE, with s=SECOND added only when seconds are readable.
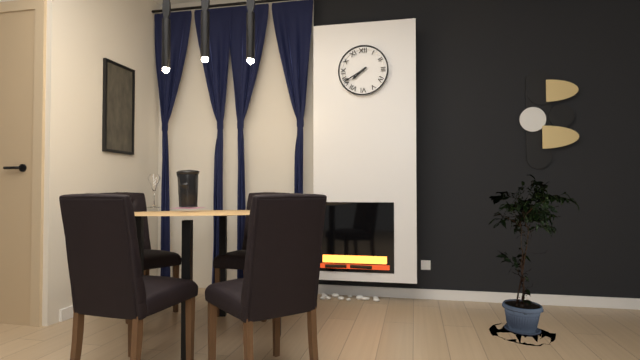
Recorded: h=7 m=40
